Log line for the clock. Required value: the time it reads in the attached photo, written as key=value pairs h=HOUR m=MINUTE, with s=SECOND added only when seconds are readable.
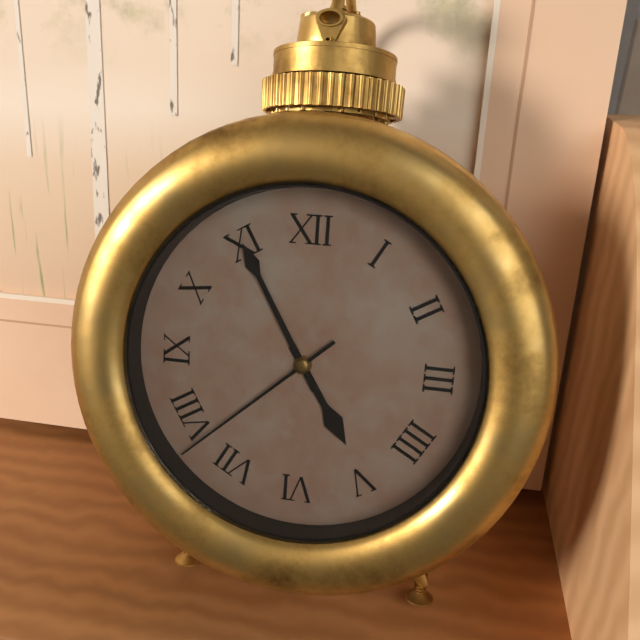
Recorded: h=4 m=55 s=38
